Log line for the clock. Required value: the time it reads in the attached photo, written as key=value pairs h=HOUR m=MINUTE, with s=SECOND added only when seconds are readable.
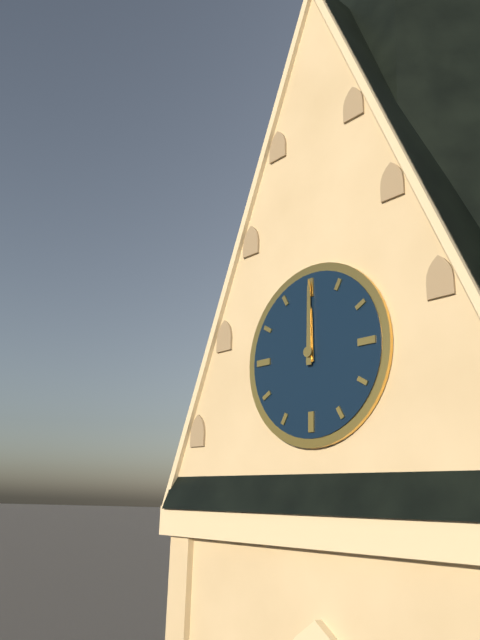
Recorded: h=12 m=0
